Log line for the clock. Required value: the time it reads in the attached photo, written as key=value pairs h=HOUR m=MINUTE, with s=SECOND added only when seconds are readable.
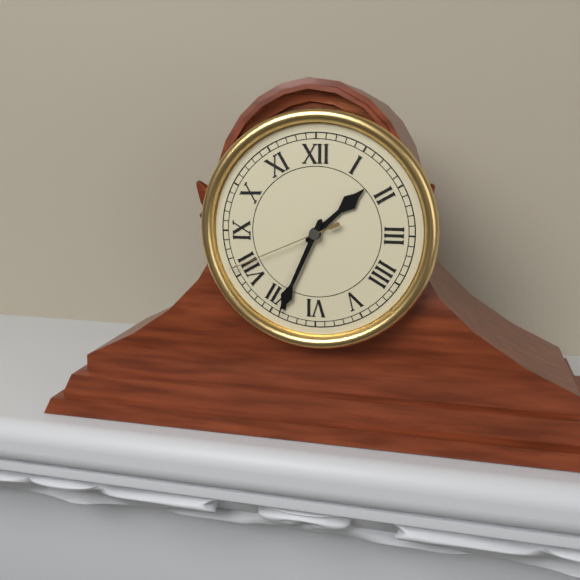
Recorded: h=1 m=34 s=41
